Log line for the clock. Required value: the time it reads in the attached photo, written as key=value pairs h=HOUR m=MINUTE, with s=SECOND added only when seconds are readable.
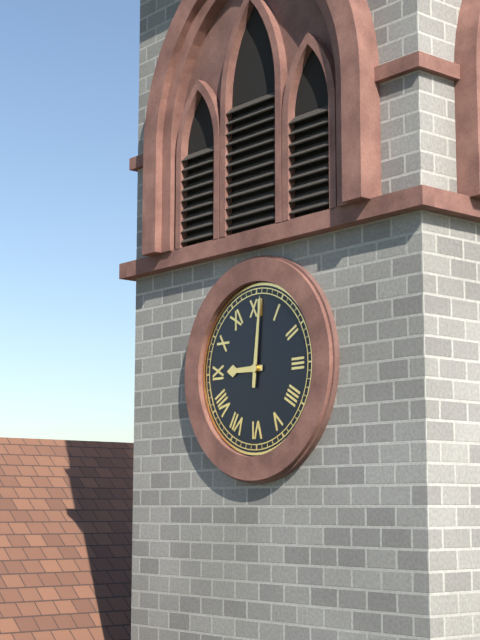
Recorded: h=9 m=1
